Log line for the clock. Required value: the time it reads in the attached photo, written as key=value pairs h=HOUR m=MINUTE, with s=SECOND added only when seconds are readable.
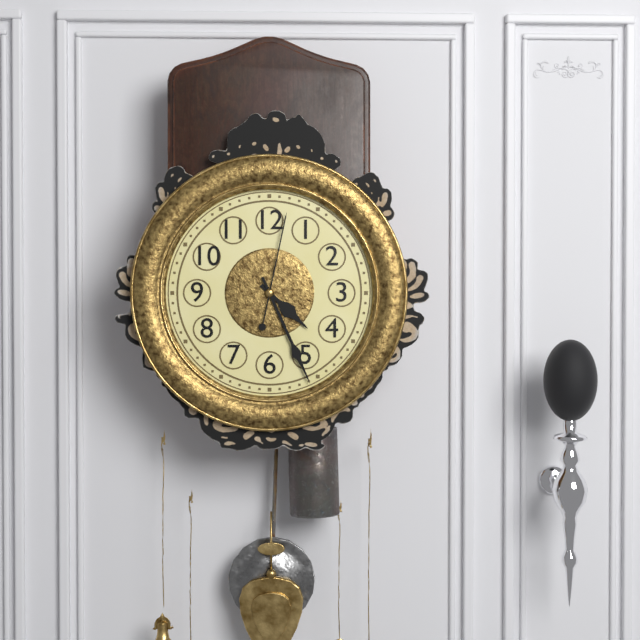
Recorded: h=4 m=26 s=2
